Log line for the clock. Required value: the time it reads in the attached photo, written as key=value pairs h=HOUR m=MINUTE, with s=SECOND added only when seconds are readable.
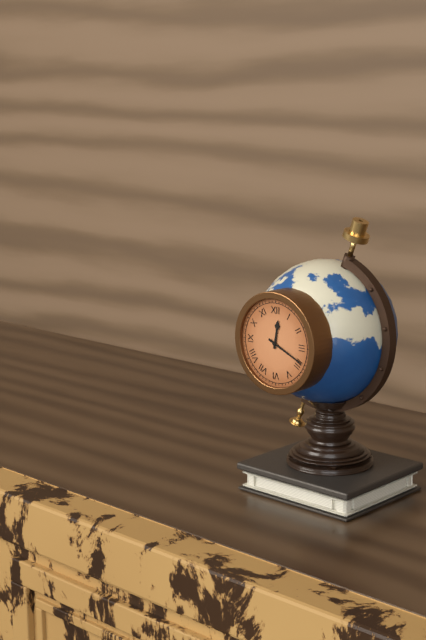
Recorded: h=12 m=19
